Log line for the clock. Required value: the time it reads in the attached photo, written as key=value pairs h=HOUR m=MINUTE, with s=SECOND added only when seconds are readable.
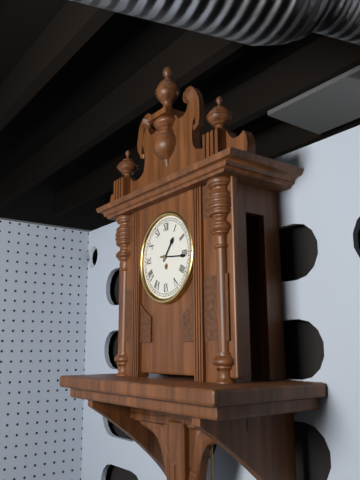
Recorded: h=1 m=16
